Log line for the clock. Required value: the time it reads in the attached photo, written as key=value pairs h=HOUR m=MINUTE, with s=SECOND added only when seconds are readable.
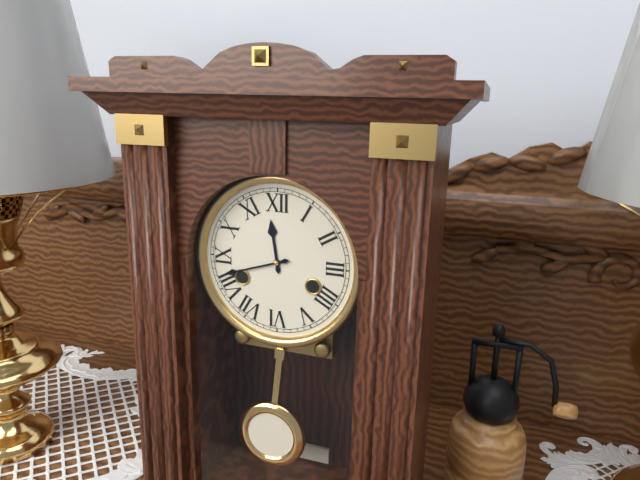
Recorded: h=11 m=42
